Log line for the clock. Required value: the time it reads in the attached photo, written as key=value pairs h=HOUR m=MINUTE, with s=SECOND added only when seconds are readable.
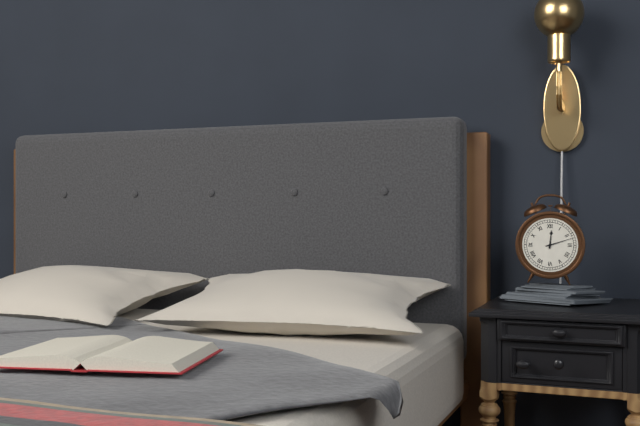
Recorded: h=12 m=12
